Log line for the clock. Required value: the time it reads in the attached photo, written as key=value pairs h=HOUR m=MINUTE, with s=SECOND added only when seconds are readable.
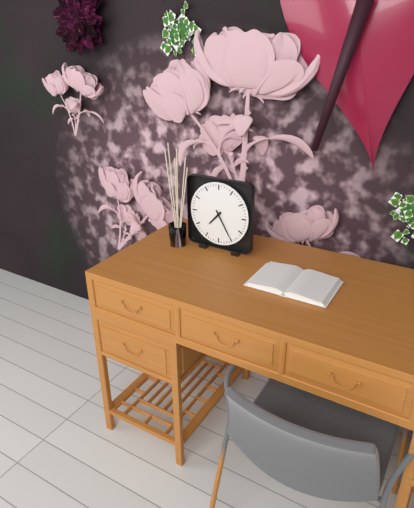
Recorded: h=7 m=25
